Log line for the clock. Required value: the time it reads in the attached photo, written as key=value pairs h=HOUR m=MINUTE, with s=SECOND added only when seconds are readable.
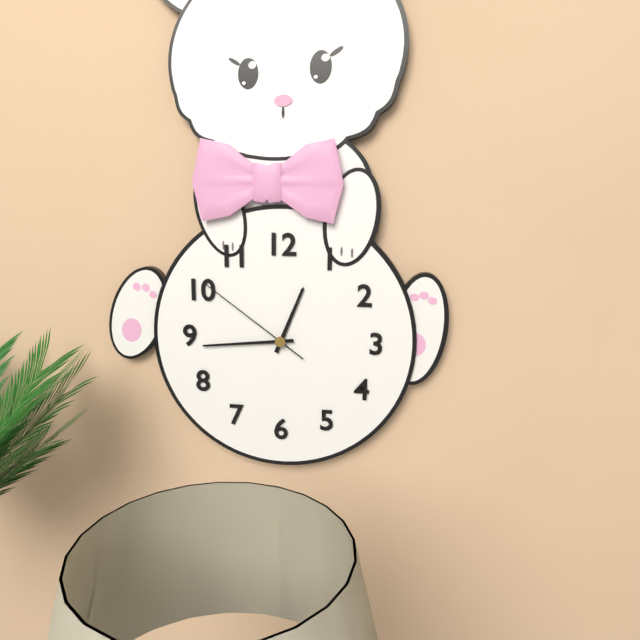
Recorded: h=12 m=44 s=51
